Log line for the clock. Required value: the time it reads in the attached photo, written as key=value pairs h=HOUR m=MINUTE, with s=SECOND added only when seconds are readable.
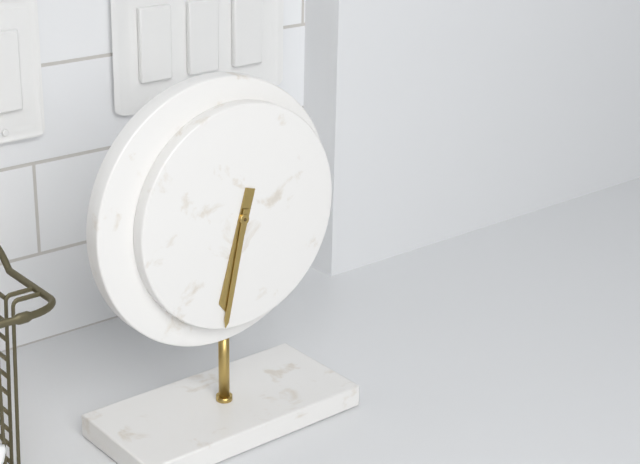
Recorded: h=6 m=32
